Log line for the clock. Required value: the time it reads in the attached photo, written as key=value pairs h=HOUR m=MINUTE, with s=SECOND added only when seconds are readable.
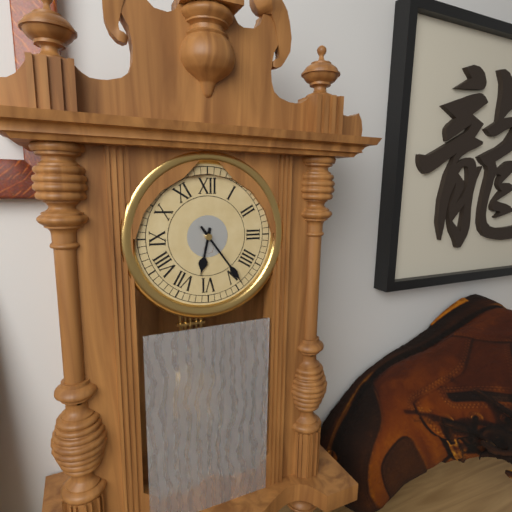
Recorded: h=6 m=24
